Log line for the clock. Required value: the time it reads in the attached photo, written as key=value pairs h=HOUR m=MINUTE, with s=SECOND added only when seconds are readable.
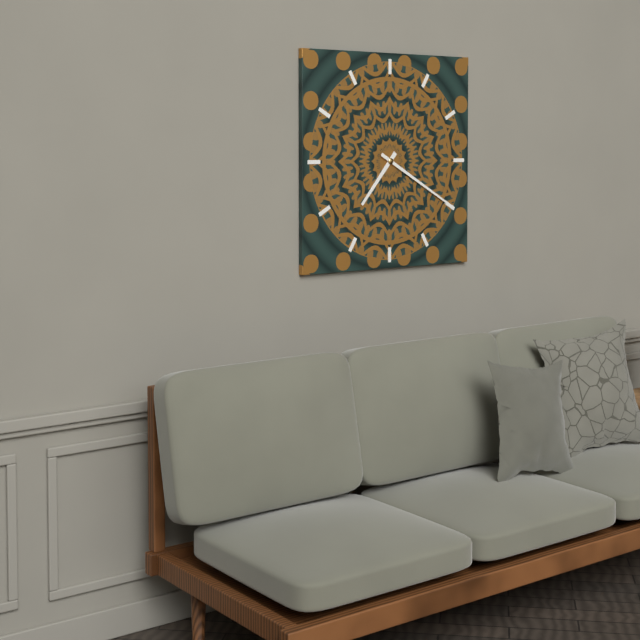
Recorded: h=7 m=20
